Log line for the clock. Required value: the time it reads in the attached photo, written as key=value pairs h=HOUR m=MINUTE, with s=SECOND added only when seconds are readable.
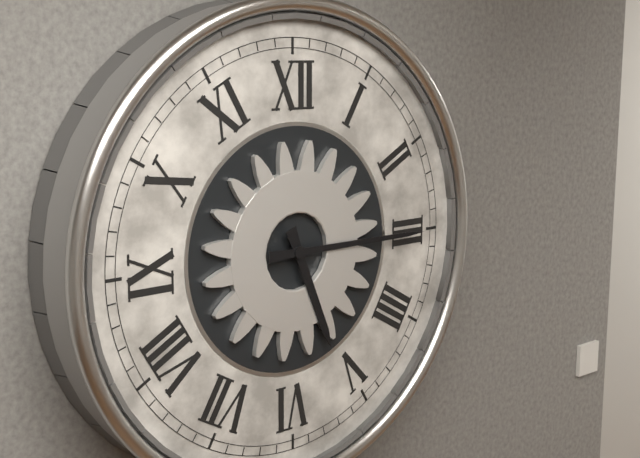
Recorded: h=5 m=15
